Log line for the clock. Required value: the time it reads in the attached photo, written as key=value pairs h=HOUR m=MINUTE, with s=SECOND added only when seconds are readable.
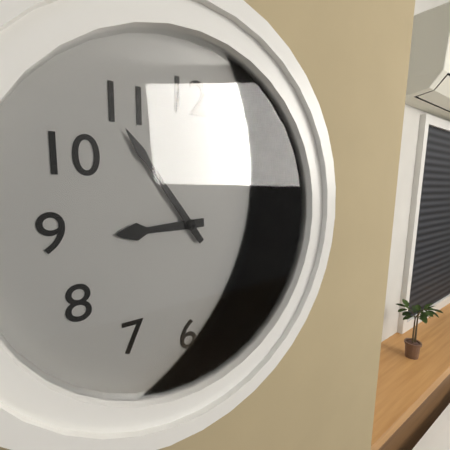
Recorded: h=8 m=54
